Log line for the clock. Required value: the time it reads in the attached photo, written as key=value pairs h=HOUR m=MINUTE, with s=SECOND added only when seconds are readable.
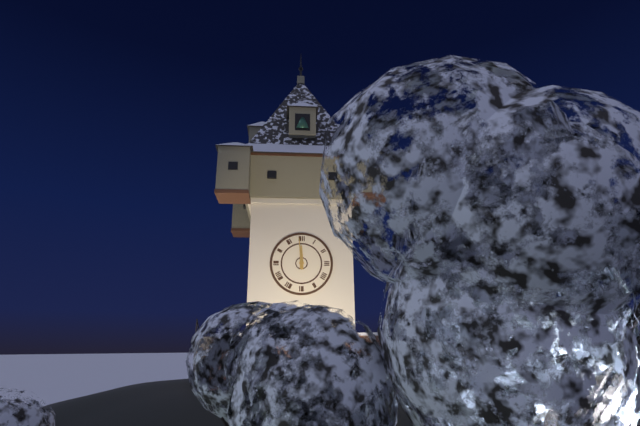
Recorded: h=11 m=59
